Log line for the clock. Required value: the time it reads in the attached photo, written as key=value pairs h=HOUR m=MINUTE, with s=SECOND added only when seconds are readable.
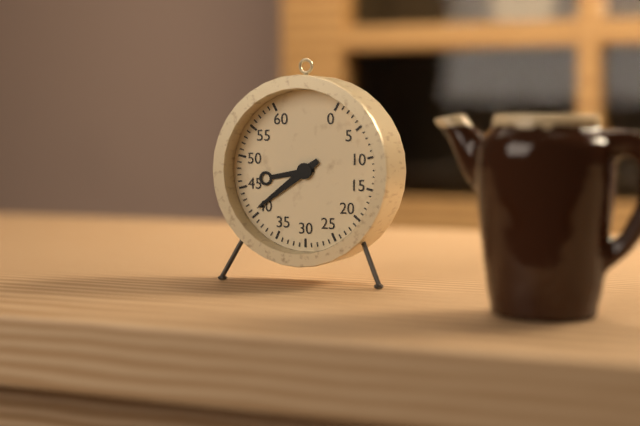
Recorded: h=8 m=39
